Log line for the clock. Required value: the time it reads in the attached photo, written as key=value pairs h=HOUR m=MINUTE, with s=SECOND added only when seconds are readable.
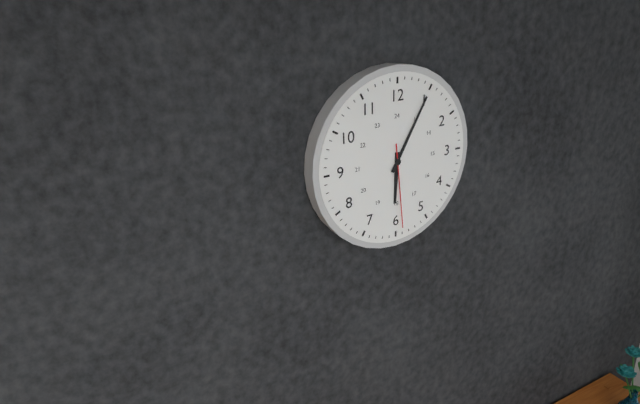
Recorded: h=6 m=5 s=29
